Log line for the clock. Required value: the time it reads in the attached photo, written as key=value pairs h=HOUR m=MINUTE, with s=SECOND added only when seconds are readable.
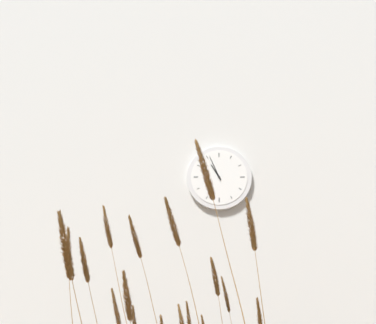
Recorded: h=10 m=56
